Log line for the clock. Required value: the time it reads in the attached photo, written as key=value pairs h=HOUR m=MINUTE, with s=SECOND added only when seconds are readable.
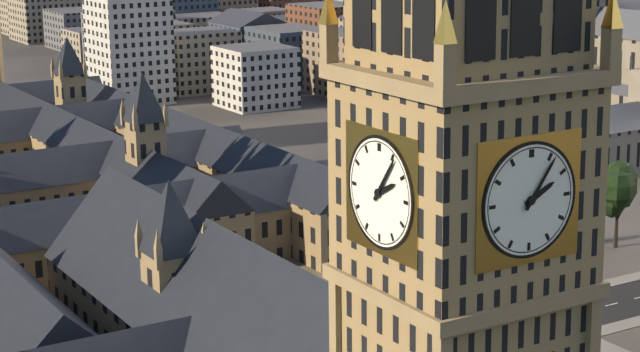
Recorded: h=2 m=6
